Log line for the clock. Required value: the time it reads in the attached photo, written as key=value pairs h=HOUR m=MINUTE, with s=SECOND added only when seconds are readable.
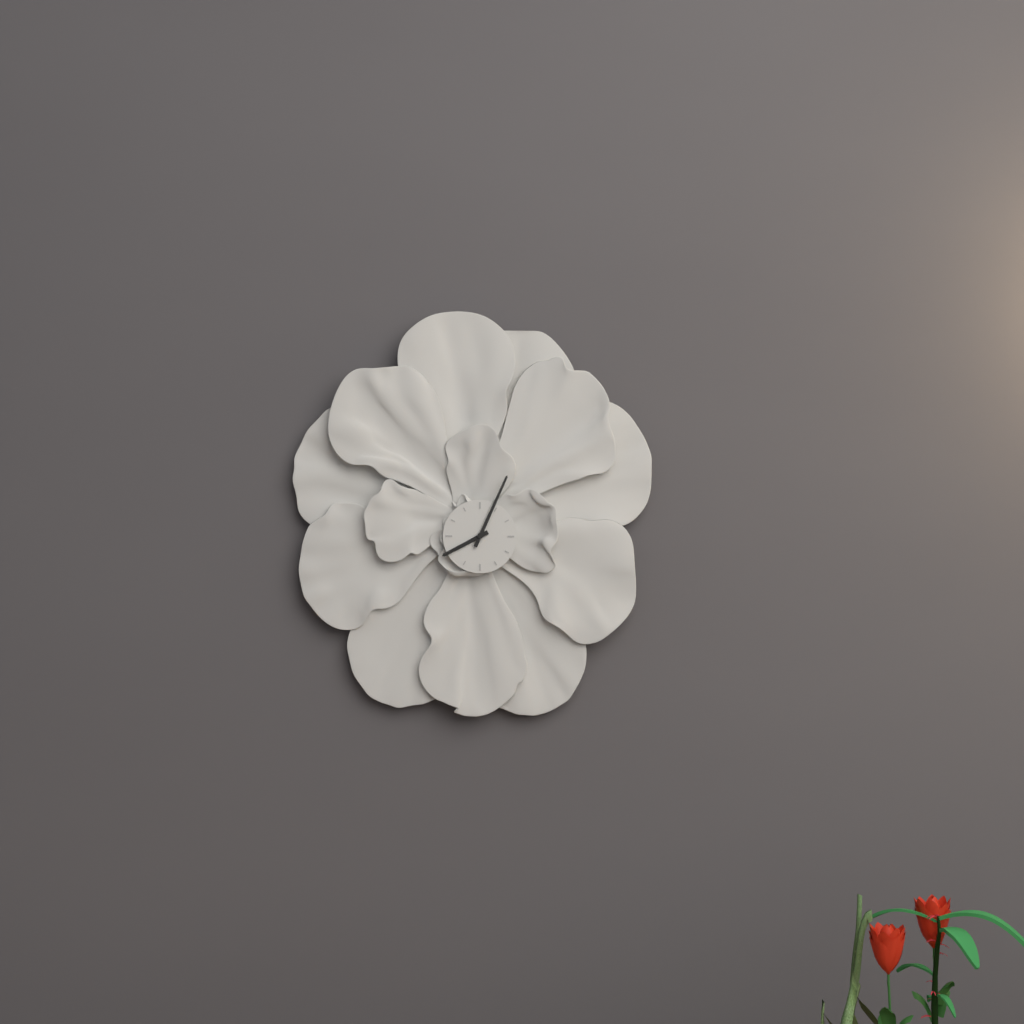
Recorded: h=8 m=4
